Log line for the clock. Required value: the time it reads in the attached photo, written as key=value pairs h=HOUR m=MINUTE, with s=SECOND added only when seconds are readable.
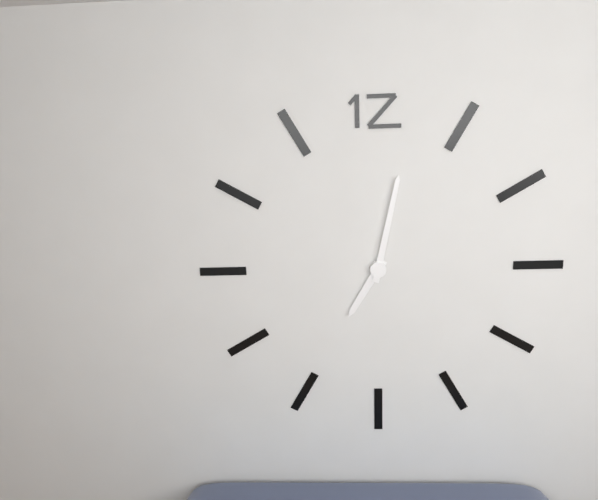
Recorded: h=7 m=2
